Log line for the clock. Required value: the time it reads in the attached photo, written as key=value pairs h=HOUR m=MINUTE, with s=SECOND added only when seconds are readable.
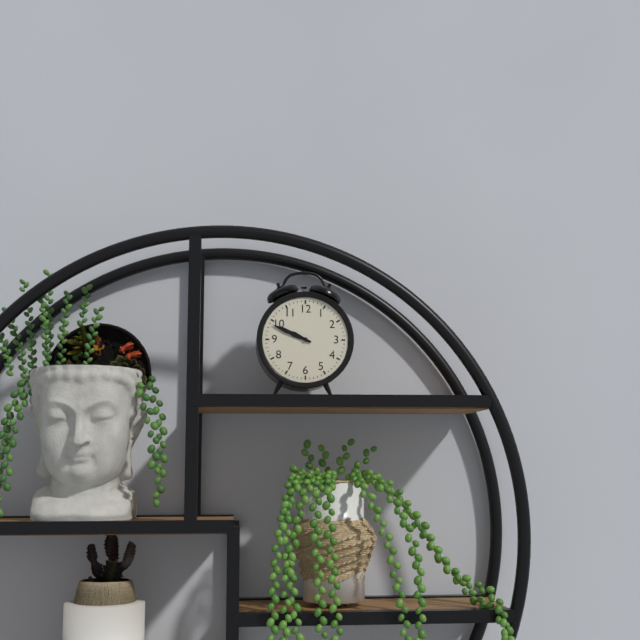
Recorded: h=9 m=49
